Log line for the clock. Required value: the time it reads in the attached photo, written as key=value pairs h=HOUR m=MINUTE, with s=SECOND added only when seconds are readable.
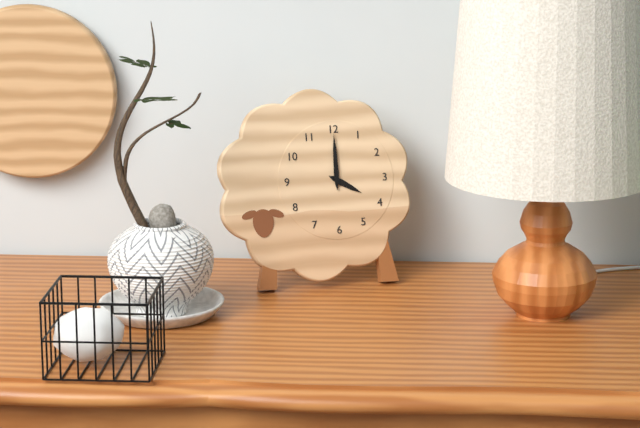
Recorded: h=4 m=0
